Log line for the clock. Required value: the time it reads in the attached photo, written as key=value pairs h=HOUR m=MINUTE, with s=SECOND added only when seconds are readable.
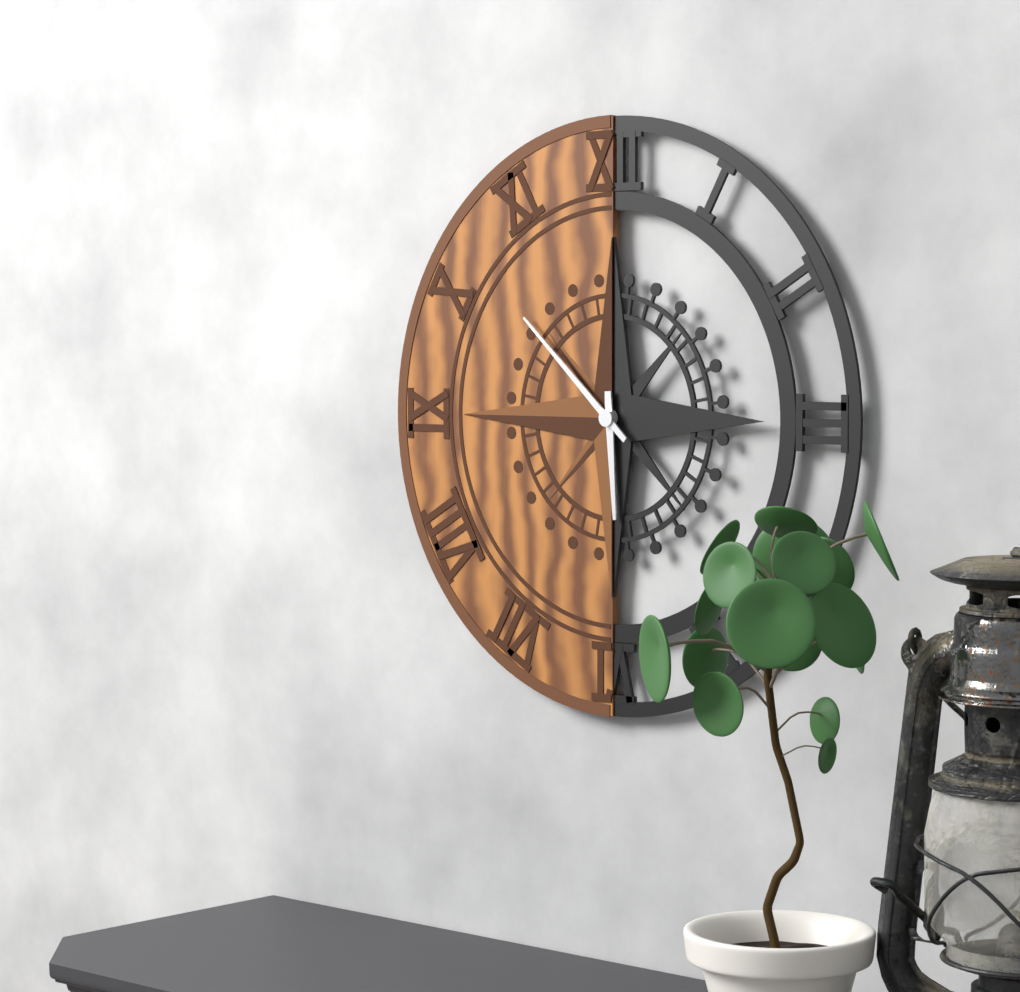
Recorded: h=5 m=52
